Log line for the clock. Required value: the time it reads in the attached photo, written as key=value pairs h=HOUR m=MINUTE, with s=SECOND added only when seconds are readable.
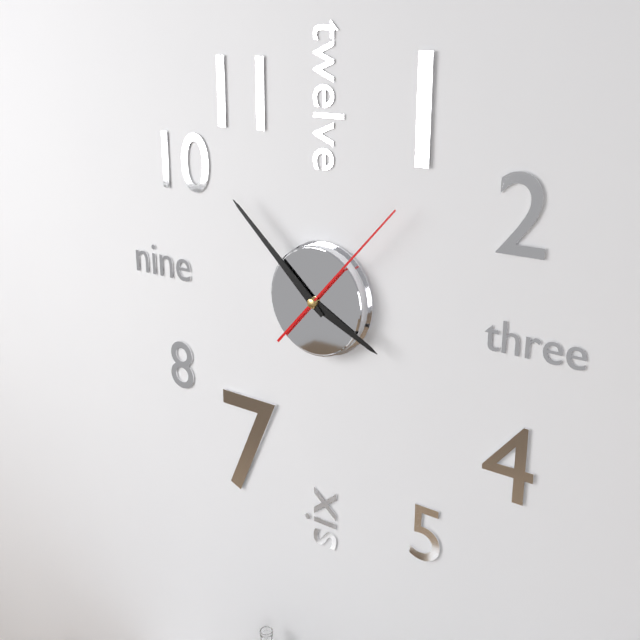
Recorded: h=3 m=52 s=7
